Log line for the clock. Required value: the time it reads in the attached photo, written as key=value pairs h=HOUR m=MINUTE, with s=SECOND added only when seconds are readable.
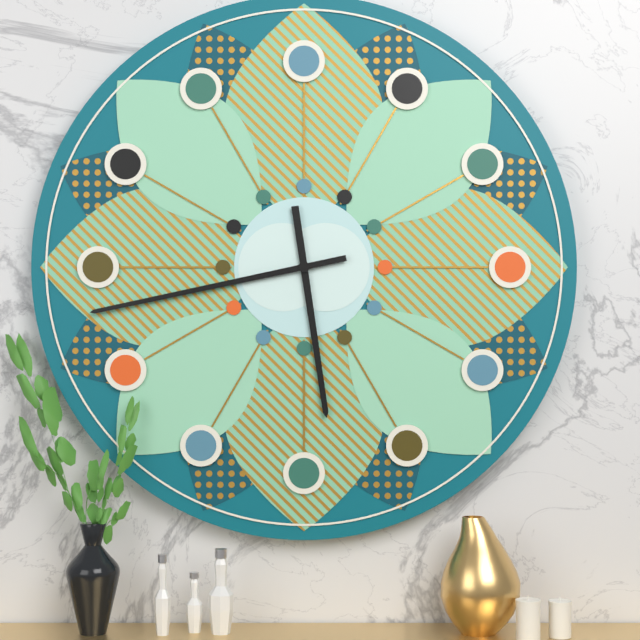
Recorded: h=5 m=43
